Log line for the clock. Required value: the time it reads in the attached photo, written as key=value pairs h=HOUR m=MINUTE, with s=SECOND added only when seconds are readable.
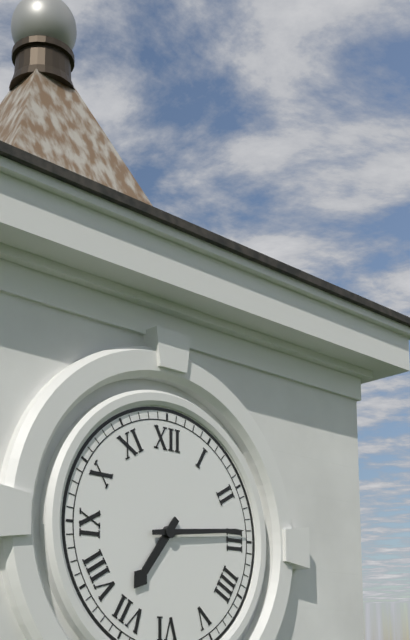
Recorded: h=7 m=14
